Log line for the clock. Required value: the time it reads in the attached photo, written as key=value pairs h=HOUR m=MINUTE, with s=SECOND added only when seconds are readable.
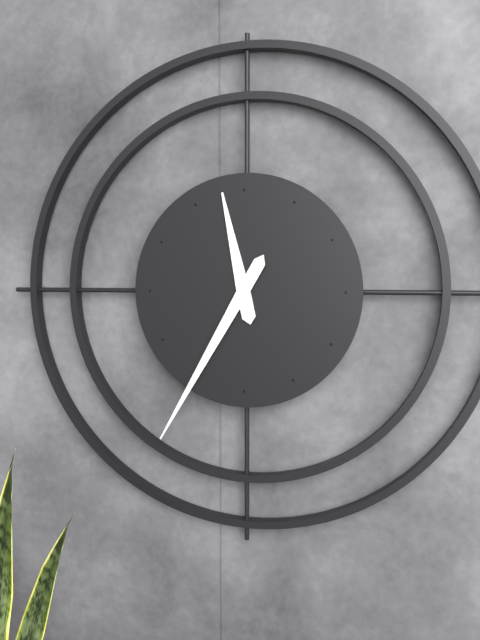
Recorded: h=11 m=35
